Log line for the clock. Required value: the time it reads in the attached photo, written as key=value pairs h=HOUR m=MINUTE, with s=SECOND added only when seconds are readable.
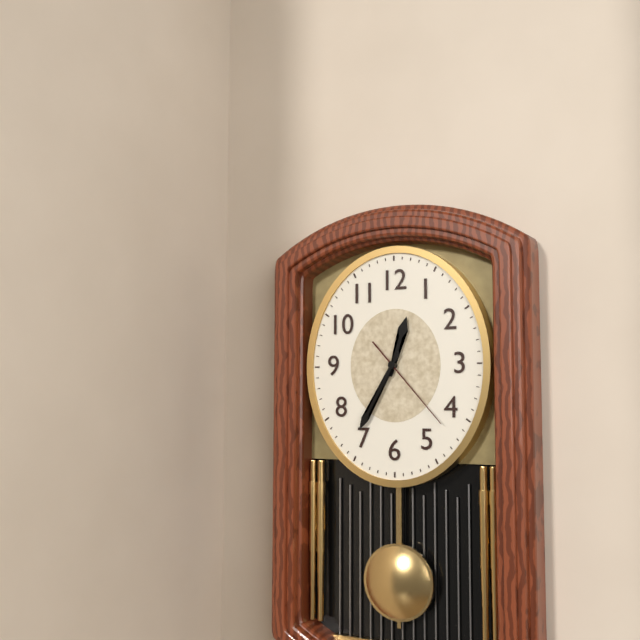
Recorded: h=12 m=35 s=23
